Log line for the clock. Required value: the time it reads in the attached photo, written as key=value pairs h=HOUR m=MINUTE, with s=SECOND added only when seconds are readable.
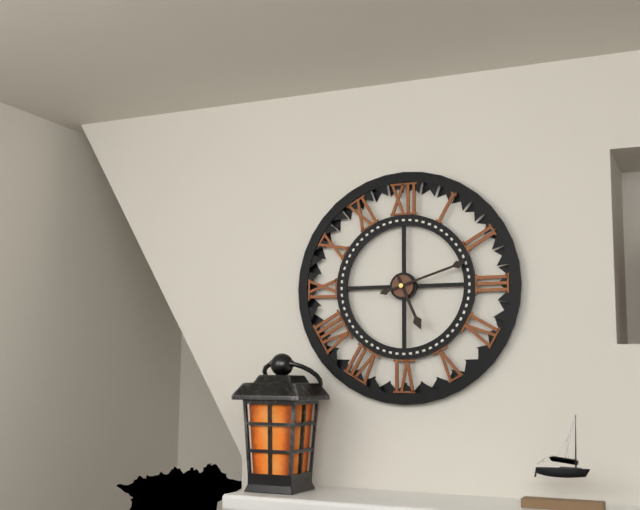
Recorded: h=5 m=12
